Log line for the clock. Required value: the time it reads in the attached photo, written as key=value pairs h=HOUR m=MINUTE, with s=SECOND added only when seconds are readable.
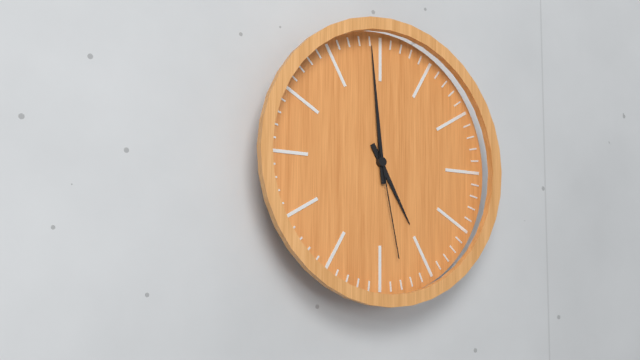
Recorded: h=4 m=59 s=28
